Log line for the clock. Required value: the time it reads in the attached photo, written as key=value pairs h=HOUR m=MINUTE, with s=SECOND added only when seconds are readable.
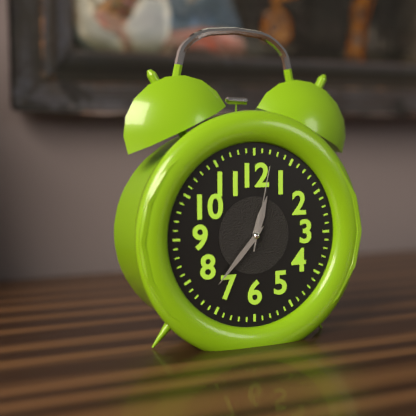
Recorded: h=12 m=37 s=2
